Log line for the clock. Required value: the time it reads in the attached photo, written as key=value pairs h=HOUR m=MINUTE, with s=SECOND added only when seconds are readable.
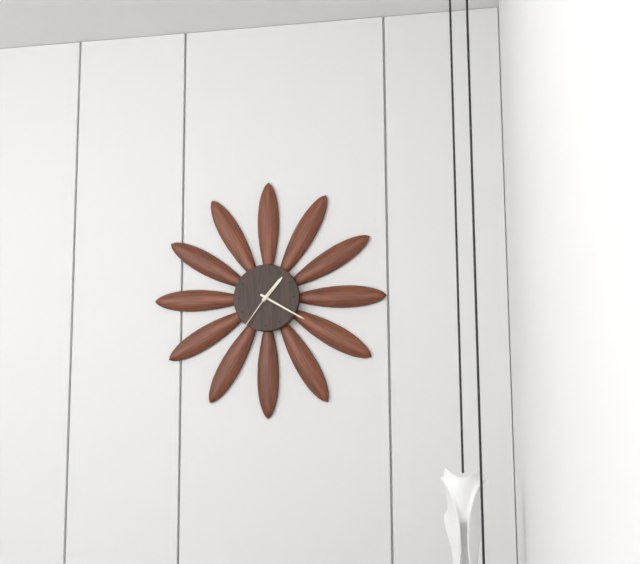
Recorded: h=1 m=20
